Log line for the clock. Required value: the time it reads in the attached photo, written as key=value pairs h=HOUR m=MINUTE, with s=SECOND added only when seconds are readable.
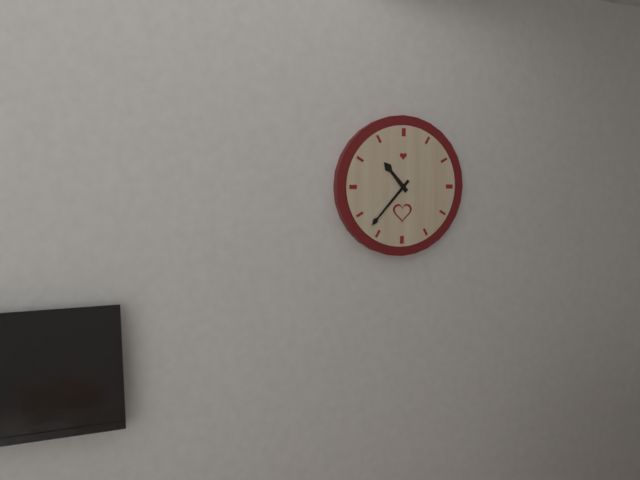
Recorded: h=10 m=37
